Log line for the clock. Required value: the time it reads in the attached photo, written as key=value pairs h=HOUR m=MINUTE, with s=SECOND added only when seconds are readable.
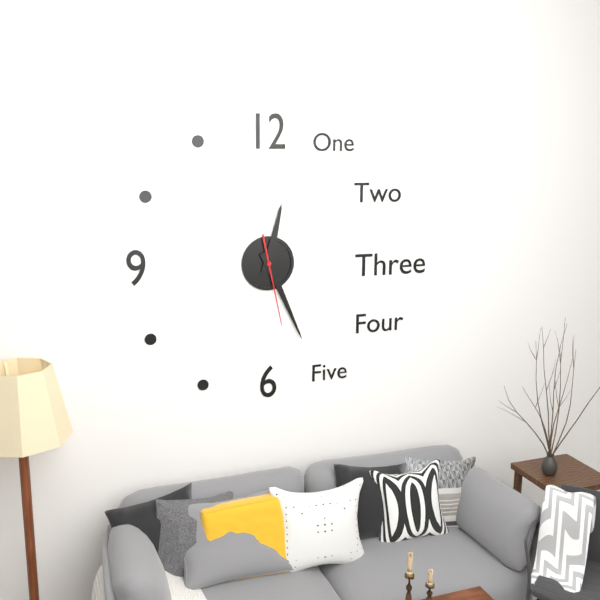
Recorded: h=12 m=26 s=28
